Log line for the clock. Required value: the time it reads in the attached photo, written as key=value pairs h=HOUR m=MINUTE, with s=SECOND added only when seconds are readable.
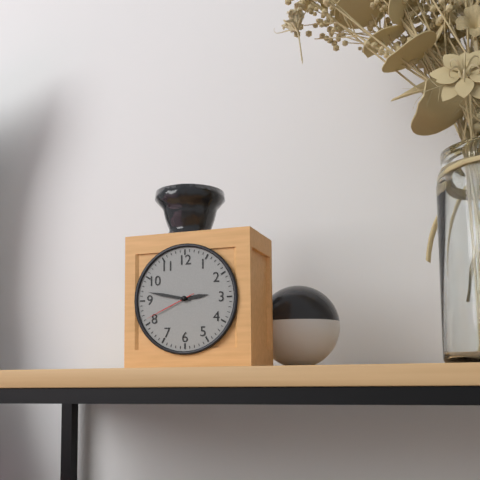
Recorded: h=2 m=47 s=41
